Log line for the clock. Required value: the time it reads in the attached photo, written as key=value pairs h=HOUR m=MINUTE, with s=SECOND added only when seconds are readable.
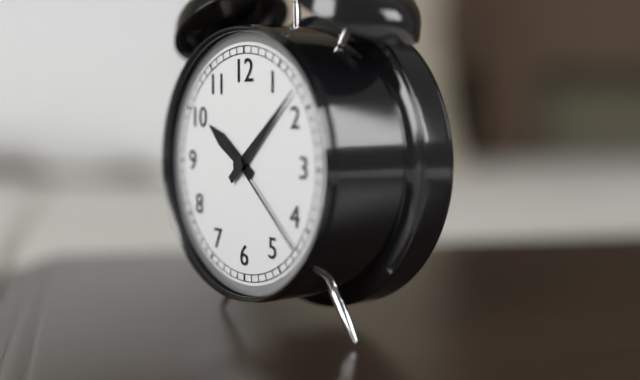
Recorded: h=10 m=8 s=22
